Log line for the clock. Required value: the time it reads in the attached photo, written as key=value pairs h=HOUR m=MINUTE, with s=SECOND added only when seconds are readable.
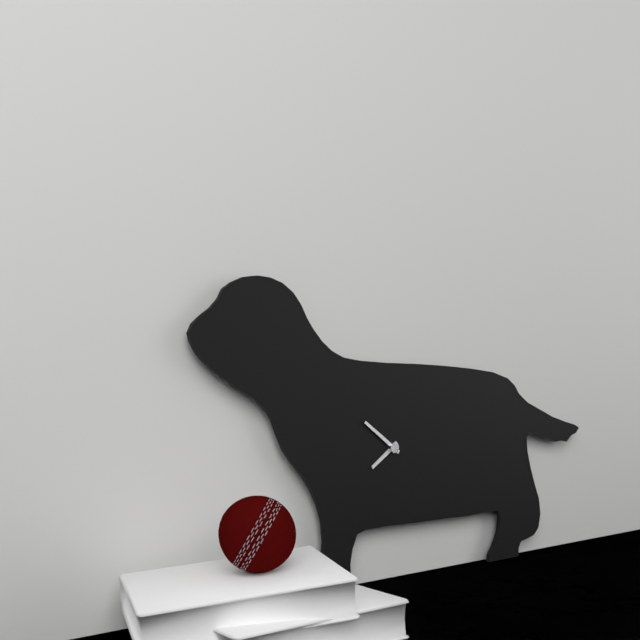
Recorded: h=7 m=51
